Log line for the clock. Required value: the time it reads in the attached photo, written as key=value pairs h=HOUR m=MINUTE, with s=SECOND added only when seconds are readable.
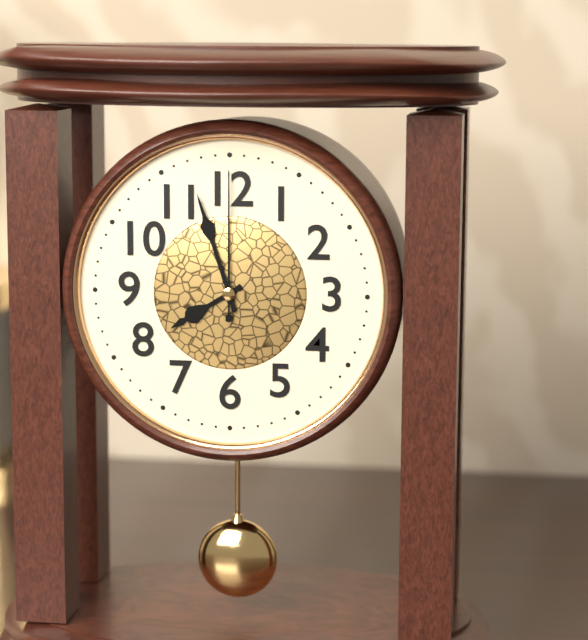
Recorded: h=7 m=57 s=0
